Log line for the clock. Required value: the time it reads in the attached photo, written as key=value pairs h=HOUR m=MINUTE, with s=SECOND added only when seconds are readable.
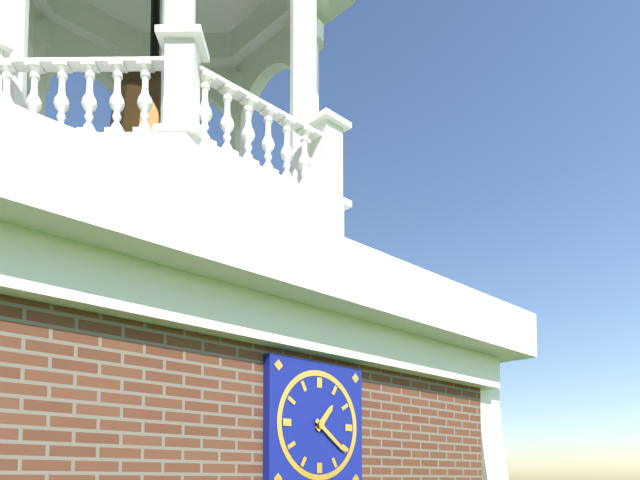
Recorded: h=1 m=21
